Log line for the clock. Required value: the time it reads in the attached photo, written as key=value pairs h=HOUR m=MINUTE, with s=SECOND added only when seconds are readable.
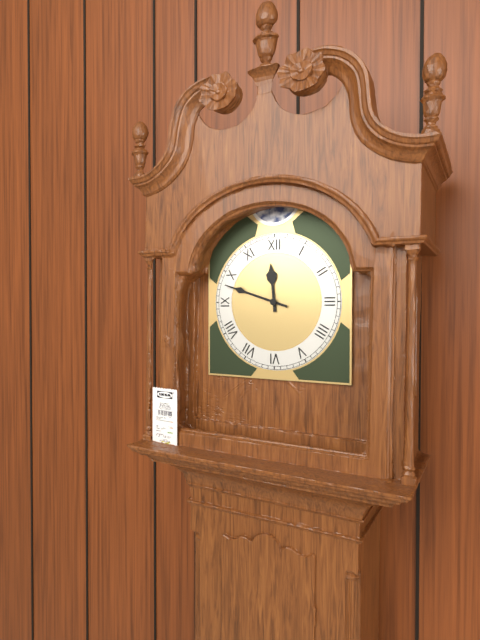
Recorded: h=11 m=48
